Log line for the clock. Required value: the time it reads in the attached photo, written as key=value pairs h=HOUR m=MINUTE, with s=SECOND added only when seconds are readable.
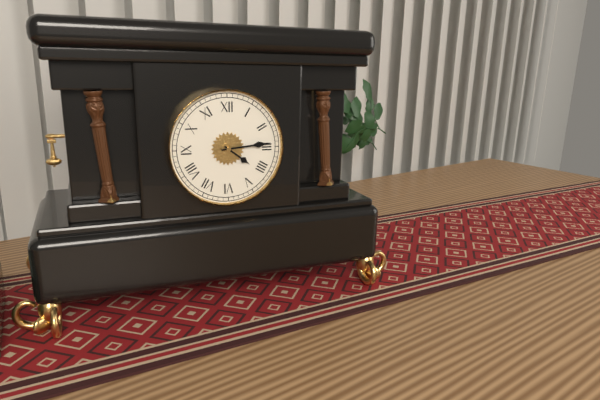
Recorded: h=4 m=14
